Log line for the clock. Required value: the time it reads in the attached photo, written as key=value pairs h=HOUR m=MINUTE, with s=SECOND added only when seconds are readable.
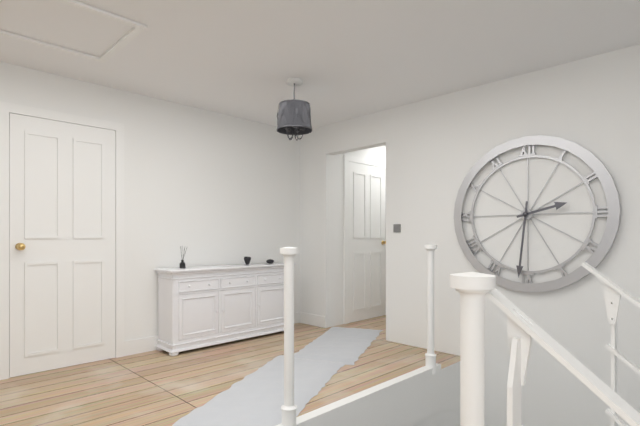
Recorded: h=2 m=31
